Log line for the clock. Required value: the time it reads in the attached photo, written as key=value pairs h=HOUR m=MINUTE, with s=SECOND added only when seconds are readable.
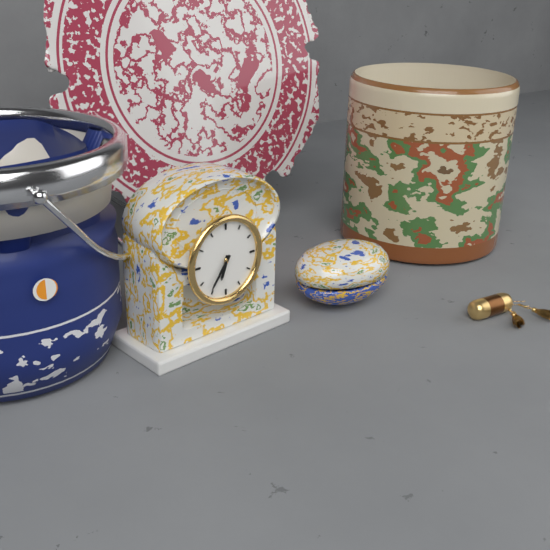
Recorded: h=6 m=36
